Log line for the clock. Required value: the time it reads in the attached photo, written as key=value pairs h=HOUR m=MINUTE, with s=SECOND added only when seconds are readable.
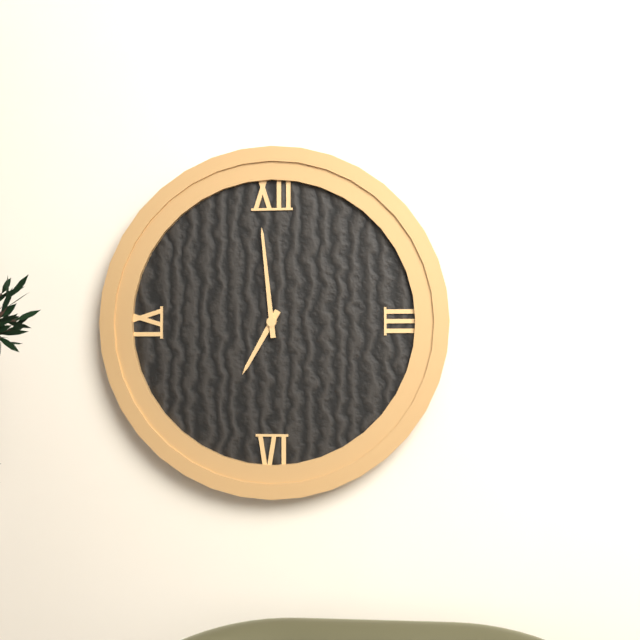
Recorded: h=6 m=59
